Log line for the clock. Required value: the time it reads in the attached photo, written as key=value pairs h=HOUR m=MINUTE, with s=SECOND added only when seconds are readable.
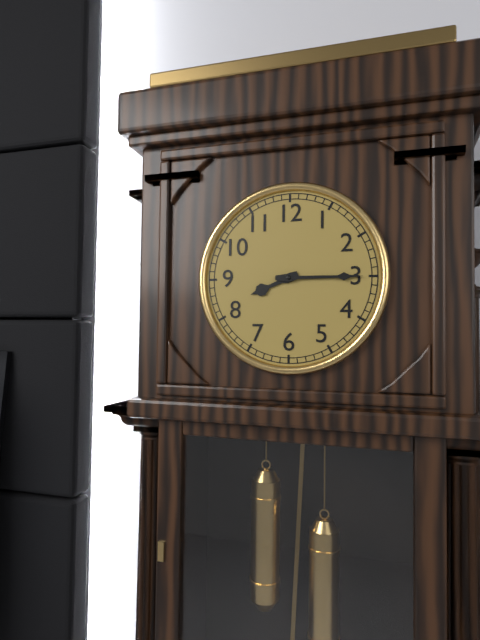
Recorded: h=8 m=15
